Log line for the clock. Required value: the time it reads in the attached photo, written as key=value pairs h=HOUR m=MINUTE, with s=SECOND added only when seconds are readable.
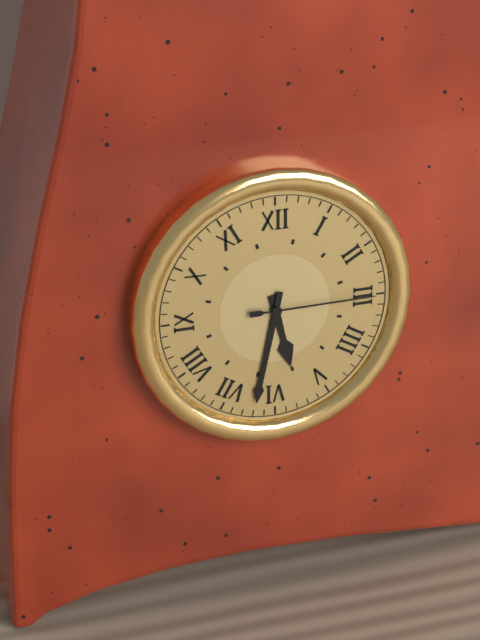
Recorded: h=5 m=32 s=15
